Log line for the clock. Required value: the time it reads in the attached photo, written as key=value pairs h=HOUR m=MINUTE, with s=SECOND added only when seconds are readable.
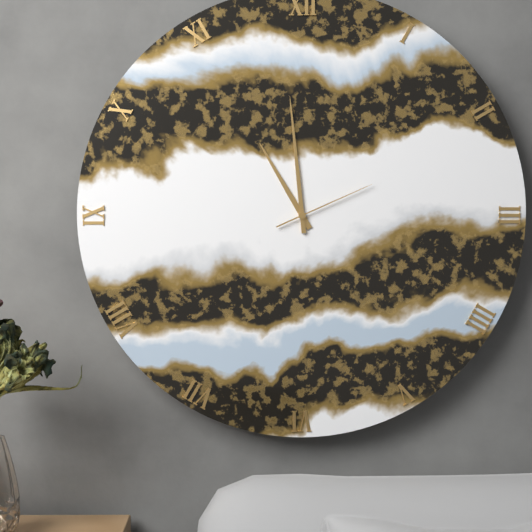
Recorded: h=10 m=59 s=11
